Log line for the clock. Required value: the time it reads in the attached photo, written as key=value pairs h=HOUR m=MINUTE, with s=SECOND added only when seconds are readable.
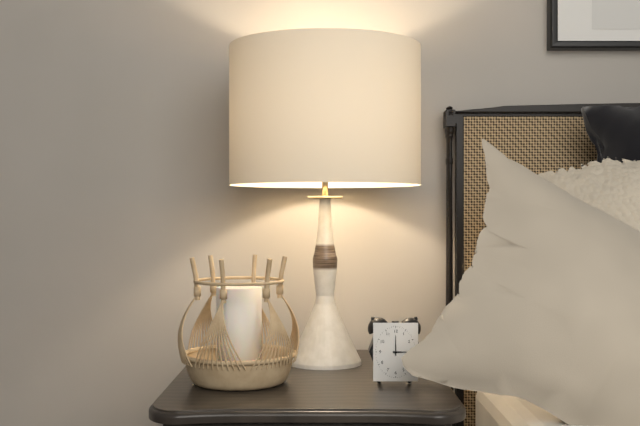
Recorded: h=3 m=0
